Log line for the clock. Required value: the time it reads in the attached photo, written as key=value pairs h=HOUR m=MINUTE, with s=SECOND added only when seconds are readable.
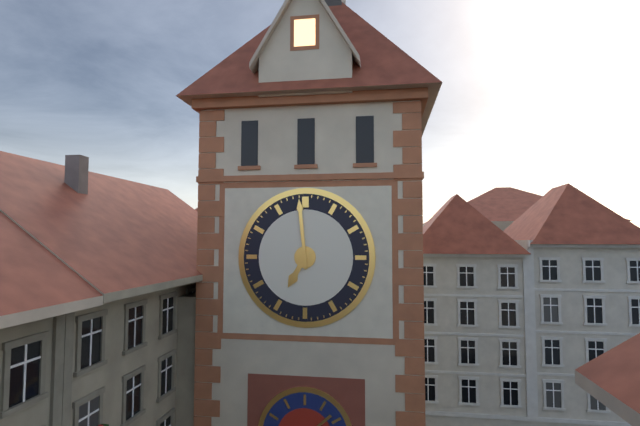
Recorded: h=6 m=59
